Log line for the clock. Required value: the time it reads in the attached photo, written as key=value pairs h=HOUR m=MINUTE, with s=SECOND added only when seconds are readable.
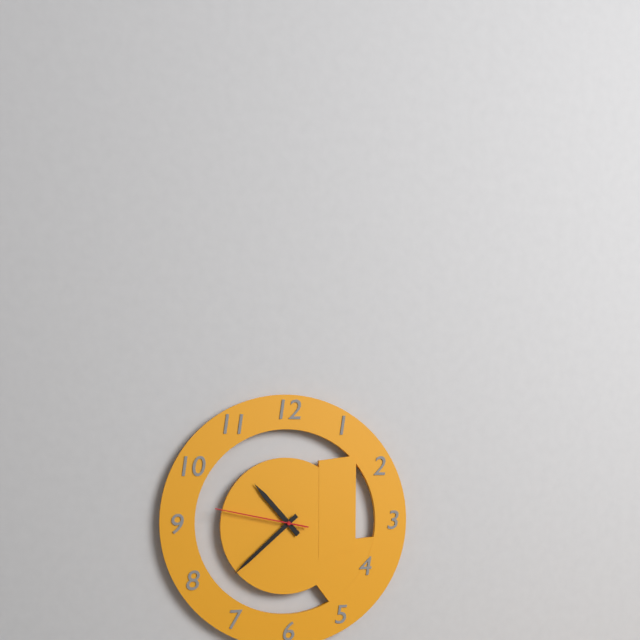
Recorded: h=10 m=38 s=47
